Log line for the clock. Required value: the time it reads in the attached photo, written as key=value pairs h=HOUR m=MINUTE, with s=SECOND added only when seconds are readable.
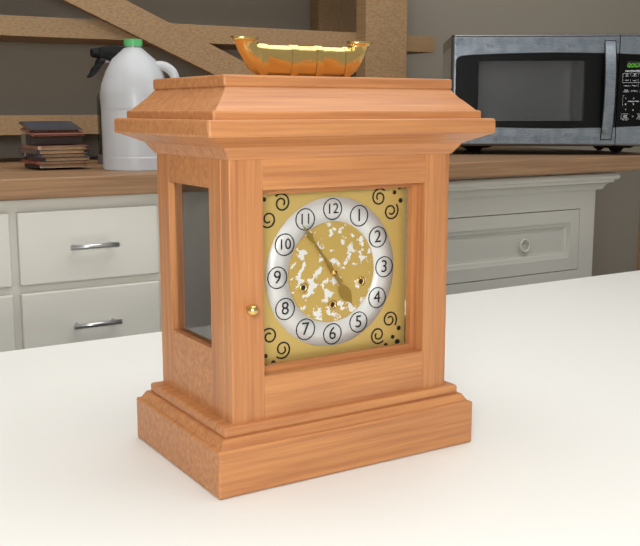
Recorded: h=4 m=54
